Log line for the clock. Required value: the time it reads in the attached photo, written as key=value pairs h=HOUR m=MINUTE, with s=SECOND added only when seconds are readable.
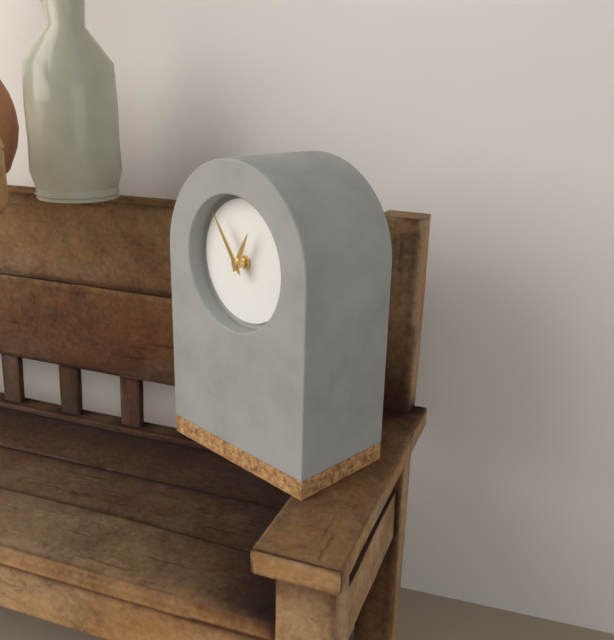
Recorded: h=12 m=54
